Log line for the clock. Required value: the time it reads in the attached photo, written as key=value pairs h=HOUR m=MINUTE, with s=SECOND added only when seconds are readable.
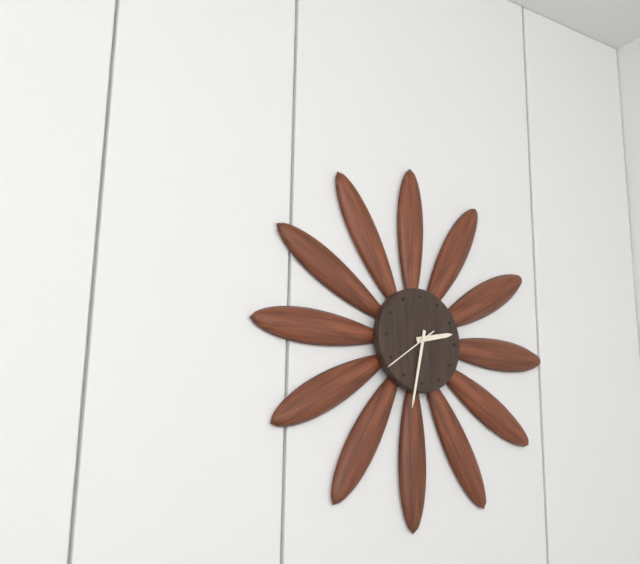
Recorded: h=2 m=32
